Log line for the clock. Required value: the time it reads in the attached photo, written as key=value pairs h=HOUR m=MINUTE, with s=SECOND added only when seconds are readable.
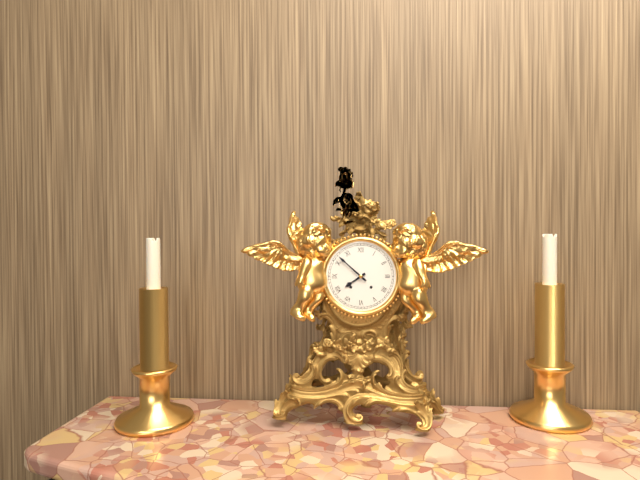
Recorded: h=7 m=52
